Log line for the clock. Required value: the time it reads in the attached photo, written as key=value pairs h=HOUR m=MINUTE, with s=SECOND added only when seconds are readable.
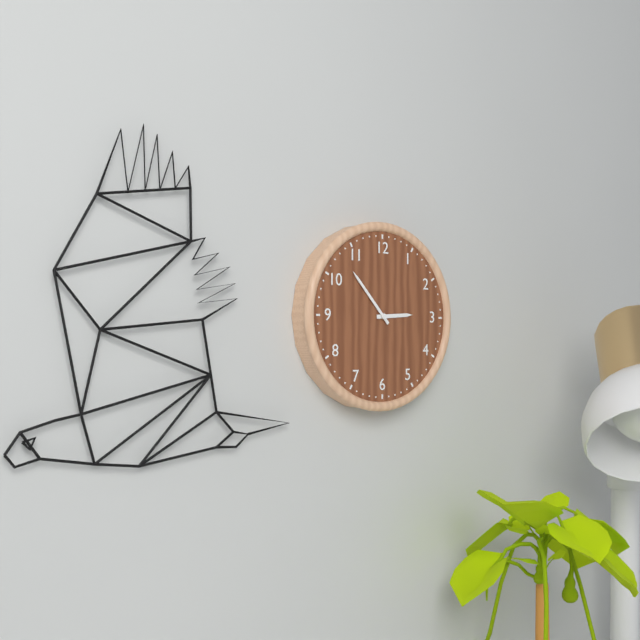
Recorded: h=2 m=53
